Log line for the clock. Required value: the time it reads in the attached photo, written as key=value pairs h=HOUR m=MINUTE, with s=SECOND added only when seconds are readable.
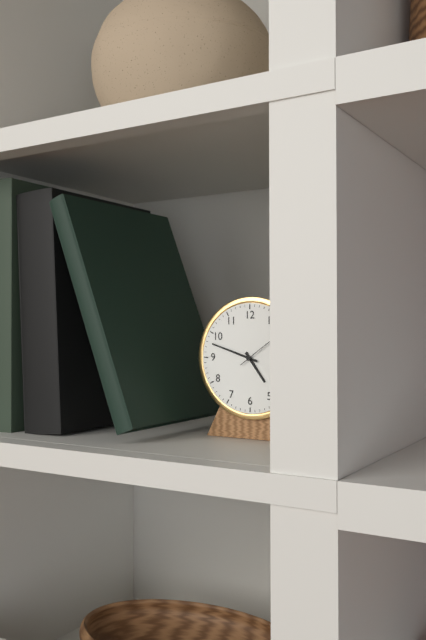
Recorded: h=4 m=48
